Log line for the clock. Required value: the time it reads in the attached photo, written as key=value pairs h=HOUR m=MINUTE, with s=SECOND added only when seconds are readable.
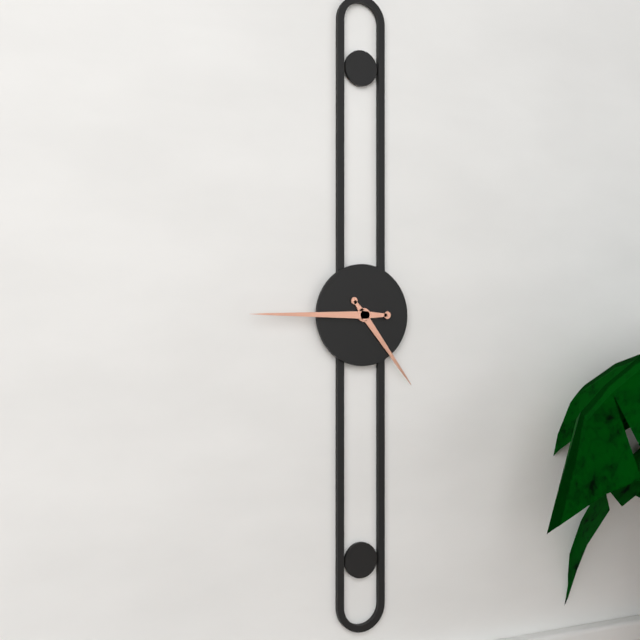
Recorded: h=4 m=45
